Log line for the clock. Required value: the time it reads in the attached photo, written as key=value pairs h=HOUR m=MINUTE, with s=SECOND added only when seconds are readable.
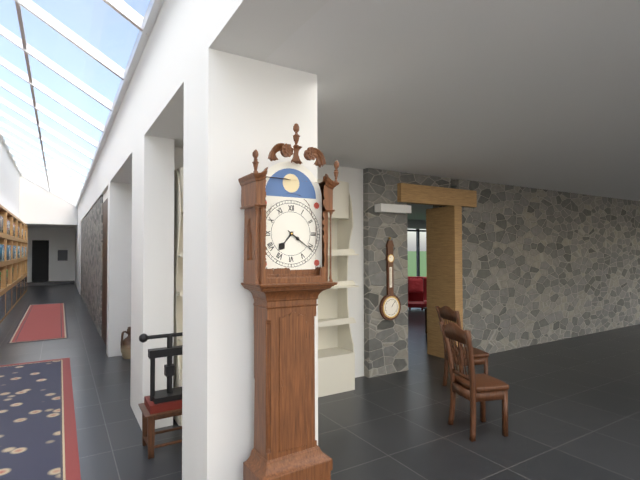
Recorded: h=7 m=21
